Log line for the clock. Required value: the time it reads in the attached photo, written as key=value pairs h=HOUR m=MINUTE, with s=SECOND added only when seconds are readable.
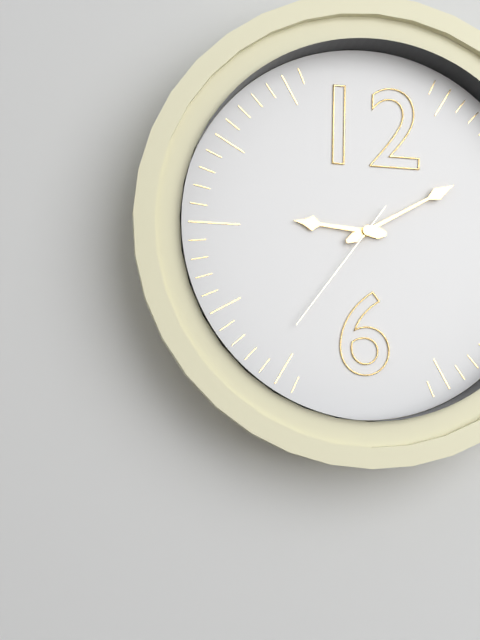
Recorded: h=9 m=10 s=36
